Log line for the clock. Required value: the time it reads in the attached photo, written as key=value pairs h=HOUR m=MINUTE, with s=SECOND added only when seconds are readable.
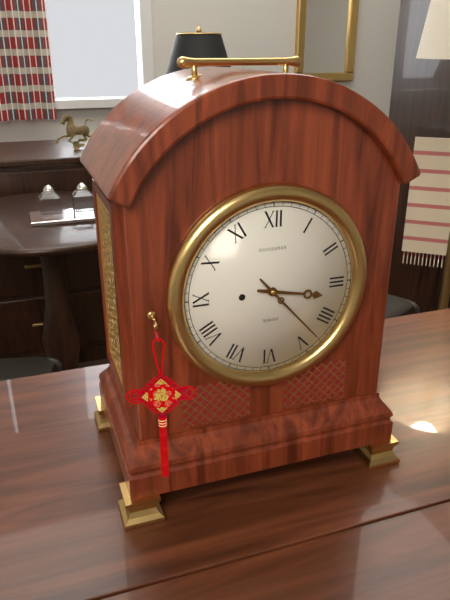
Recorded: h=3 m=23
